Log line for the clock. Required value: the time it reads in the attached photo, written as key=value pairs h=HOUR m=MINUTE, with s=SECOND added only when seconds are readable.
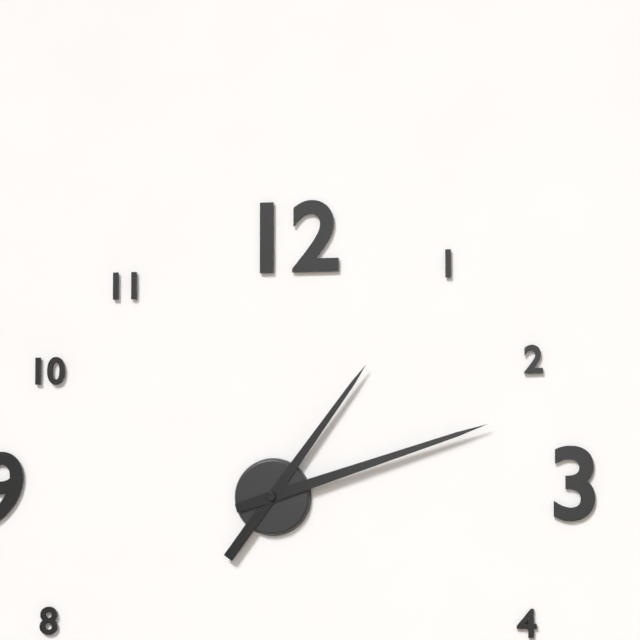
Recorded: h=1 m=12
